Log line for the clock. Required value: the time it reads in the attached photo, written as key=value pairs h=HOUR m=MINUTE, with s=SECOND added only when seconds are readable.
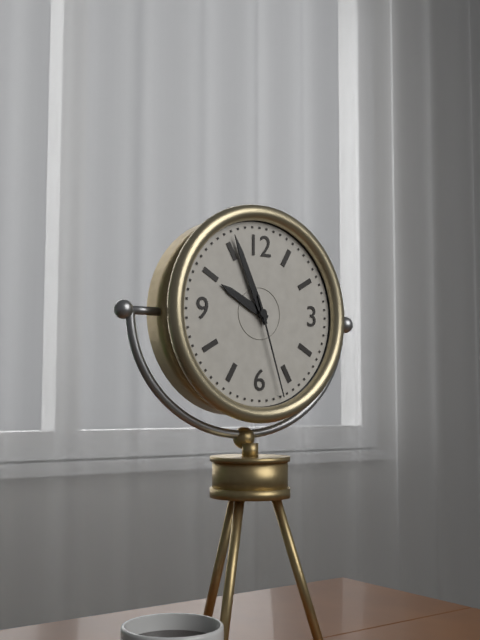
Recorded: h=9 m=56 s=27
